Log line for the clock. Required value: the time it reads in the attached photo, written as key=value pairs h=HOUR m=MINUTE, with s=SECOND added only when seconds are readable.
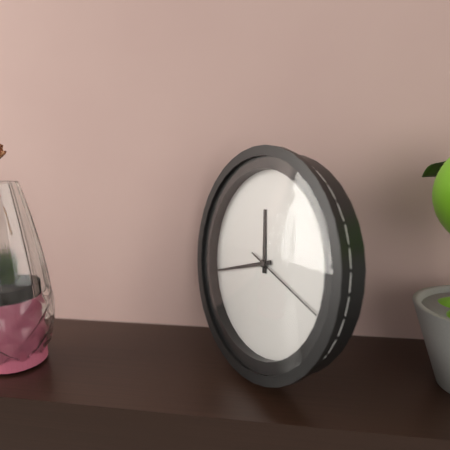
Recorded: h=11 m=42 s=18
